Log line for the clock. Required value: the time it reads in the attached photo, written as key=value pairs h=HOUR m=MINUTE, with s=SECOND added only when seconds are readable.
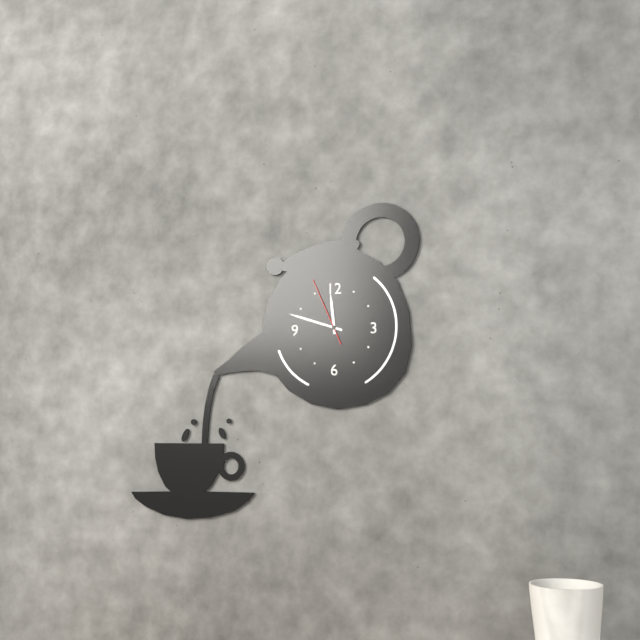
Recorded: h=11 m=48 s=56
